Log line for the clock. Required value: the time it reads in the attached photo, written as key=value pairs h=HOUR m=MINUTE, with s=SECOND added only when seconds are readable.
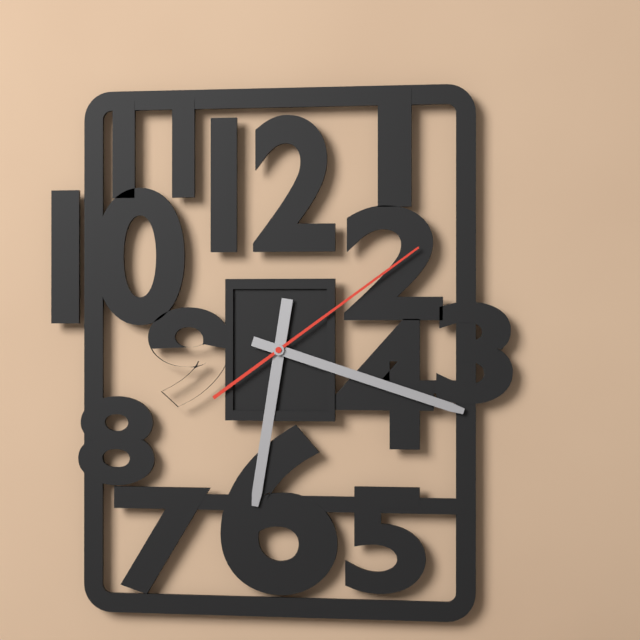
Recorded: h=6 m=18 s=9
